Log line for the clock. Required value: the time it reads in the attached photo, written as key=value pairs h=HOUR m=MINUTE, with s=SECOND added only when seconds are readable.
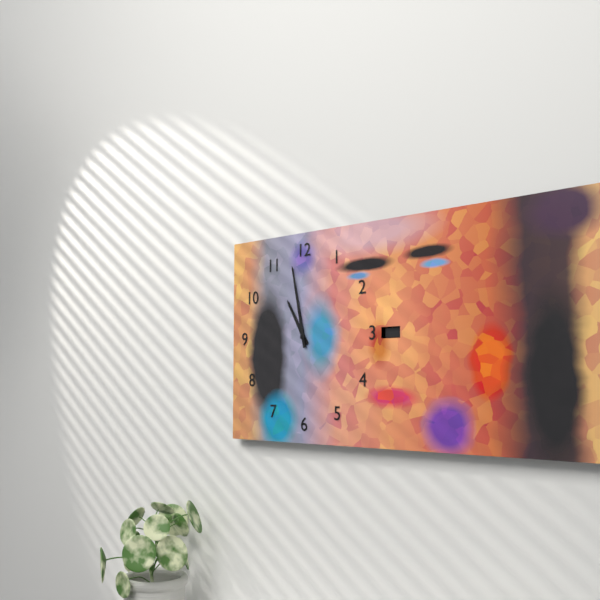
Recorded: h=10 m=58
